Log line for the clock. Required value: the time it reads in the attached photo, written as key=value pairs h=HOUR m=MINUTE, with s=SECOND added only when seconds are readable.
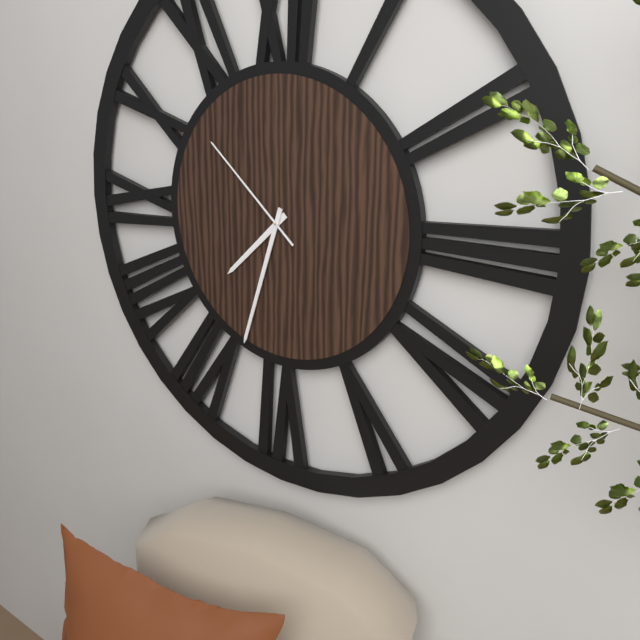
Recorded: h=7 m=33 s=52
